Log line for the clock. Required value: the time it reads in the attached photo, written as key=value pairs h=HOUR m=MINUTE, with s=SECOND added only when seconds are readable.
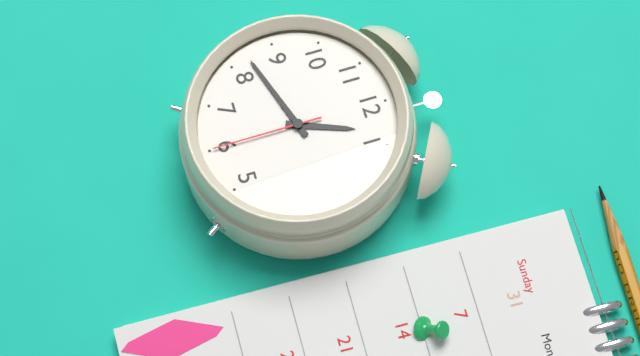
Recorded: h=12 m=42 s=30
